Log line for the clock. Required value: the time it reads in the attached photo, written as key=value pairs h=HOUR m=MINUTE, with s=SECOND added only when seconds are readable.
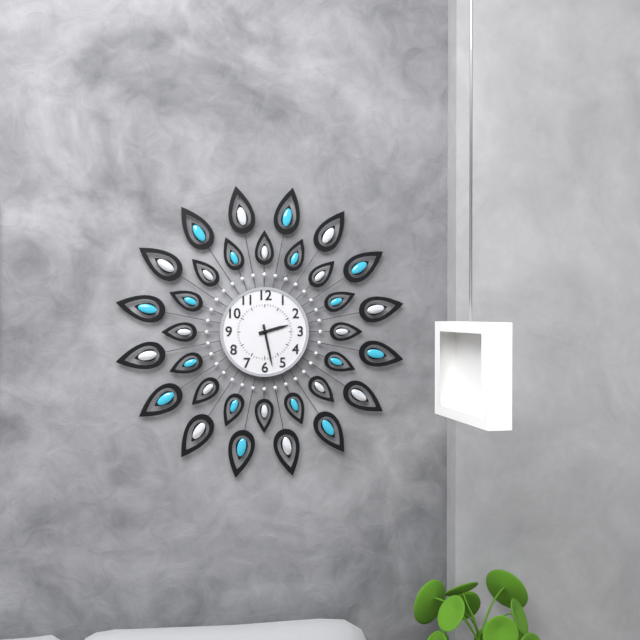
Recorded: h=2 m=28
